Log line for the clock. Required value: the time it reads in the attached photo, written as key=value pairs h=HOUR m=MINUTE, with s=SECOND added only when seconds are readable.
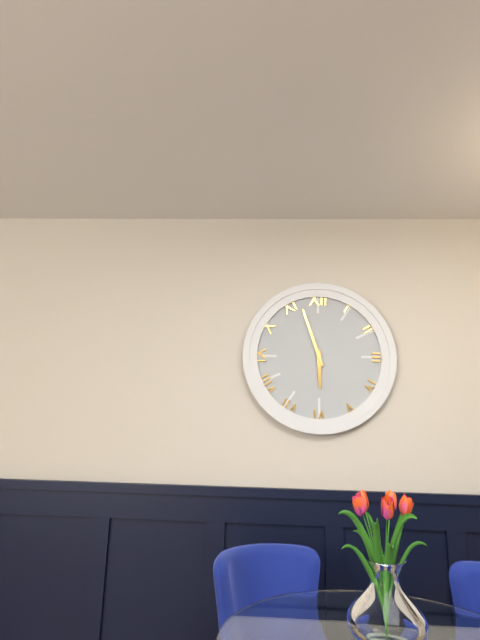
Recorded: h=5 m=57
